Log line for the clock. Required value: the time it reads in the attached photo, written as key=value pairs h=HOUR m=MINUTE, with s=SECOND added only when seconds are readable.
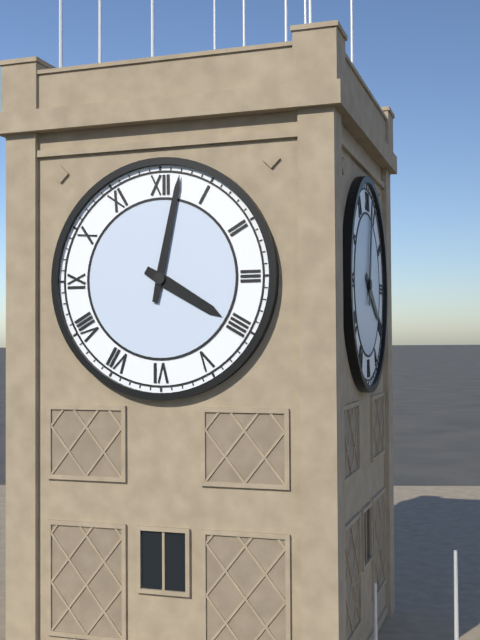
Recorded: h=4 m=2
